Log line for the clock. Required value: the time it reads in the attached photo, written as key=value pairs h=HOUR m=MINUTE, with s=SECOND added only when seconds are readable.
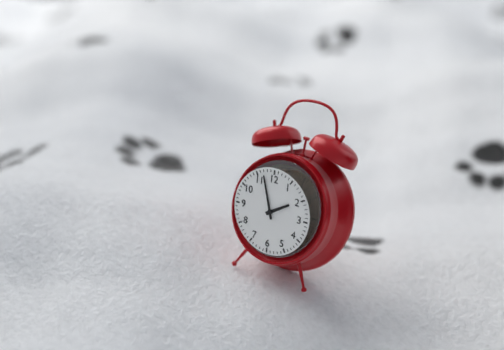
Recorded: h=1 m=57
